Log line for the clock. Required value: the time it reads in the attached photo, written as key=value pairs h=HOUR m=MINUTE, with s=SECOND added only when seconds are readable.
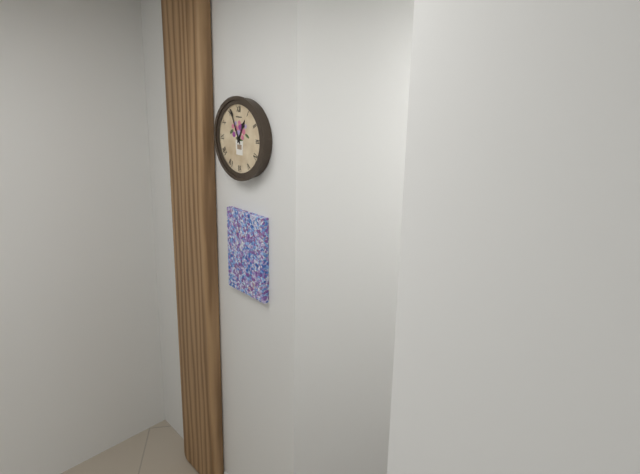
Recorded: h=12 m=56
